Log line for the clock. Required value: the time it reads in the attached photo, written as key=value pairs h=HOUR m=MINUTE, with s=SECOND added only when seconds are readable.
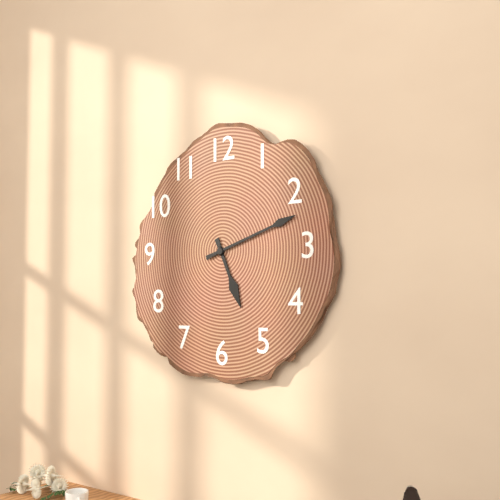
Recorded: h=5 m=12
